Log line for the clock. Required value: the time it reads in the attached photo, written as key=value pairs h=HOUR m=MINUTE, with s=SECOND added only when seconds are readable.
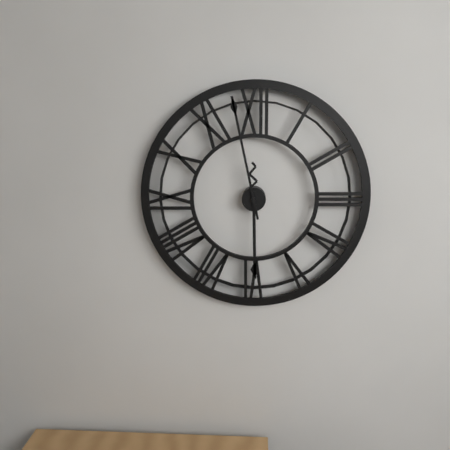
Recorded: h=5 m=58
